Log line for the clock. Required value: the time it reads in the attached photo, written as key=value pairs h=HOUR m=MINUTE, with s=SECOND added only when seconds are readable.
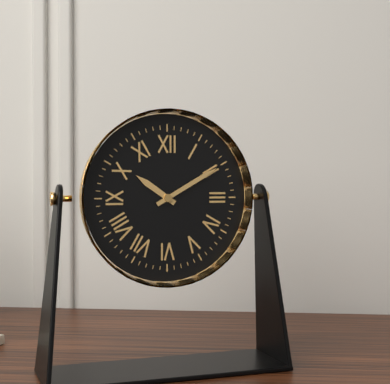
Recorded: h=10 m=10
